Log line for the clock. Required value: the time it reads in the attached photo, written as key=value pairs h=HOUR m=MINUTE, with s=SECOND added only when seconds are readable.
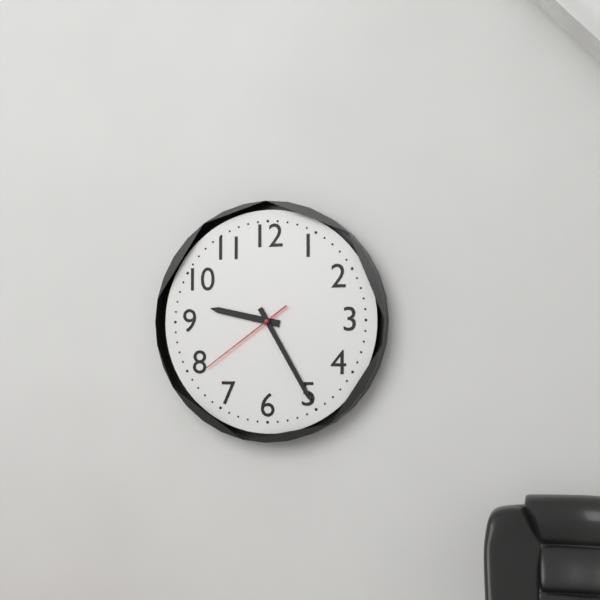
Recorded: h=9 m=25 s=39
